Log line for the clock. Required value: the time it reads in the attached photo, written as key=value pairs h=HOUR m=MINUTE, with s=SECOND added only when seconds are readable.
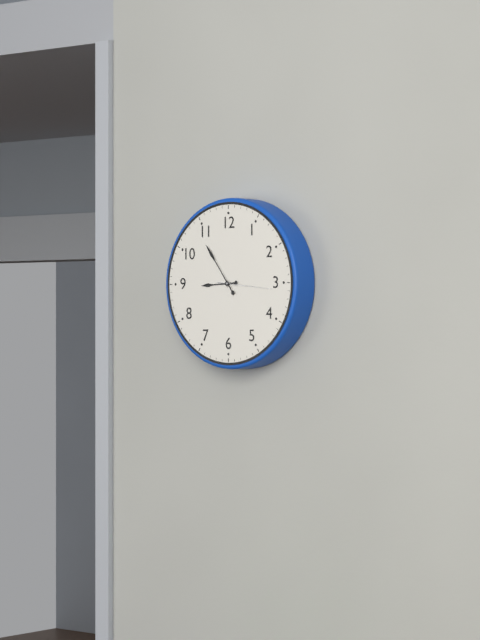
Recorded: h=8 m=54 s=16
